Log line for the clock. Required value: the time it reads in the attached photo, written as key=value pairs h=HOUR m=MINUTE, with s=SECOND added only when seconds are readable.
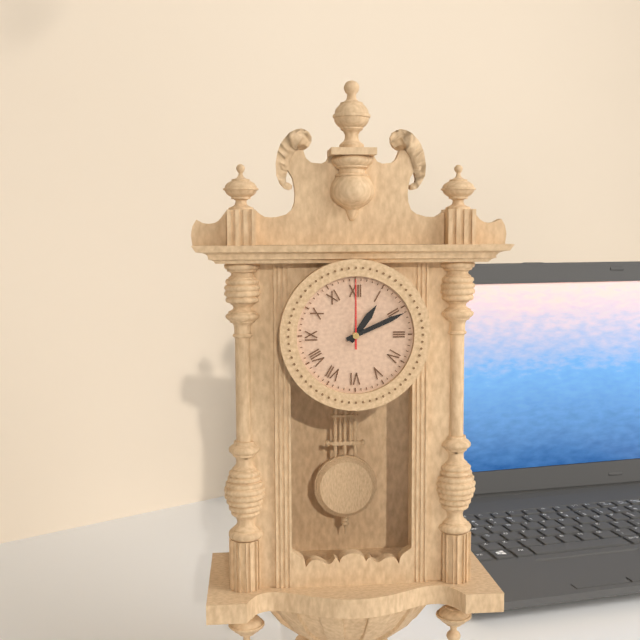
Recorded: h=1 m=11 s=0
